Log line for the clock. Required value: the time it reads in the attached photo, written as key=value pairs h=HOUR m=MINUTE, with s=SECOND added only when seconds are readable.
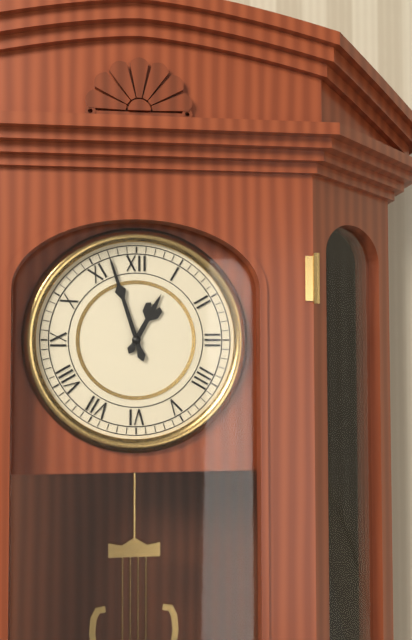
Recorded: h=12 m=57
